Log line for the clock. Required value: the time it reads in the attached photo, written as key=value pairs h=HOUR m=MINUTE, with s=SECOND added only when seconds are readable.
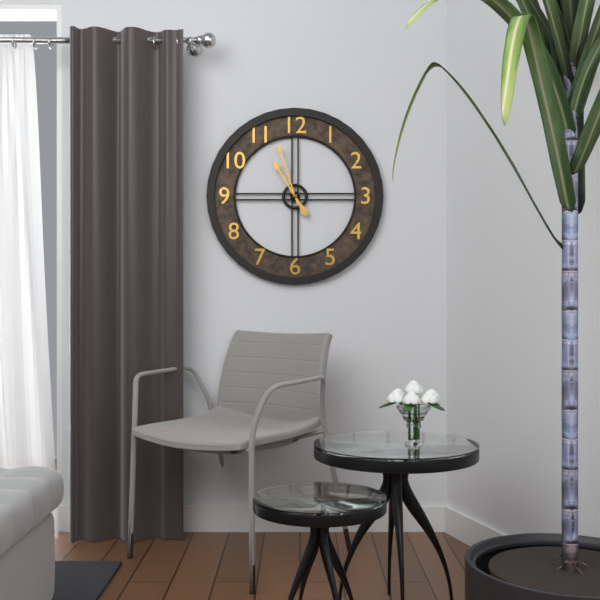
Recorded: h=10 m=57
